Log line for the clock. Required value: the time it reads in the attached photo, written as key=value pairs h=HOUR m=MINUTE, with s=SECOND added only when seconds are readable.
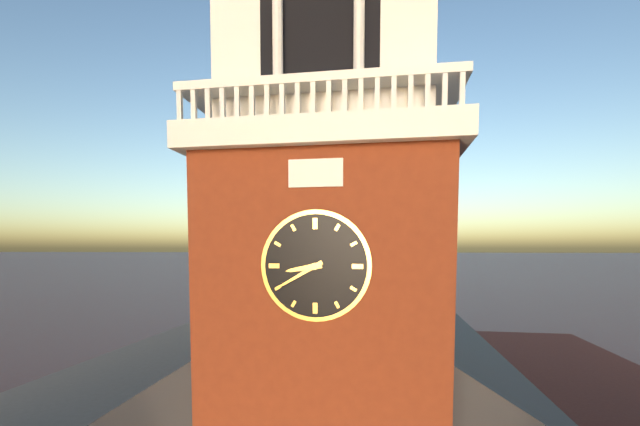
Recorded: h=8 m=40
